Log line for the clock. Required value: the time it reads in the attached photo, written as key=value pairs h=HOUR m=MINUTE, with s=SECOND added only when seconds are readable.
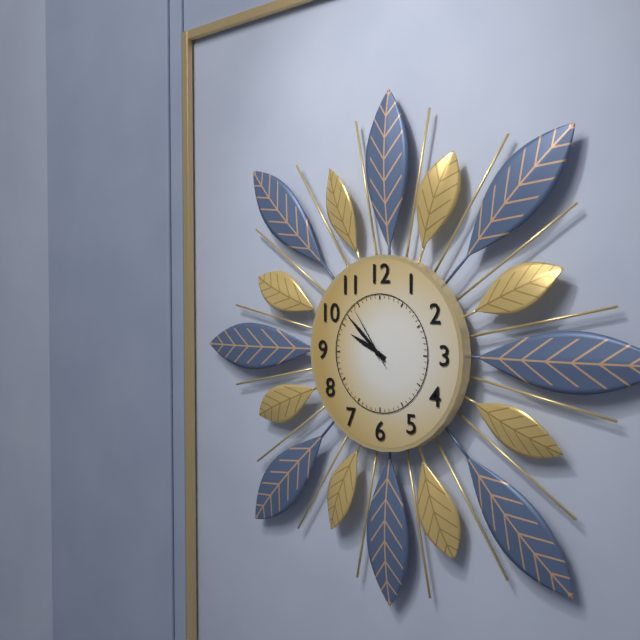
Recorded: h=9 m=52 s=54
